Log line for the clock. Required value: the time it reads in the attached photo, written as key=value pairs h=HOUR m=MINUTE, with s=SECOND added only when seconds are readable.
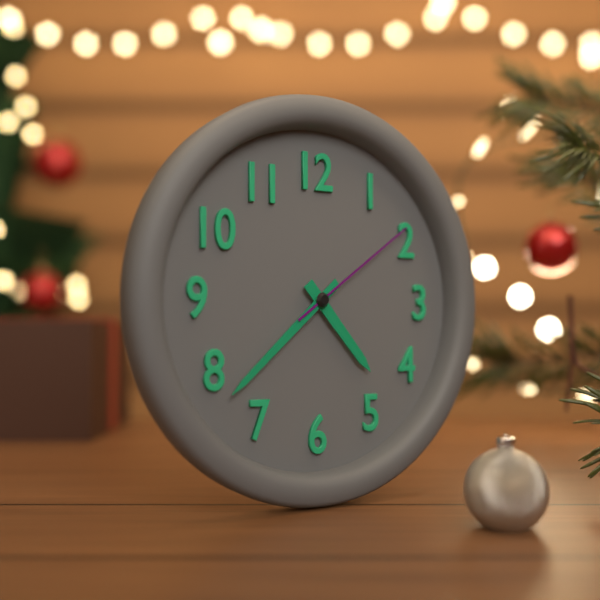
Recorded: h=4 m=38 s=9
